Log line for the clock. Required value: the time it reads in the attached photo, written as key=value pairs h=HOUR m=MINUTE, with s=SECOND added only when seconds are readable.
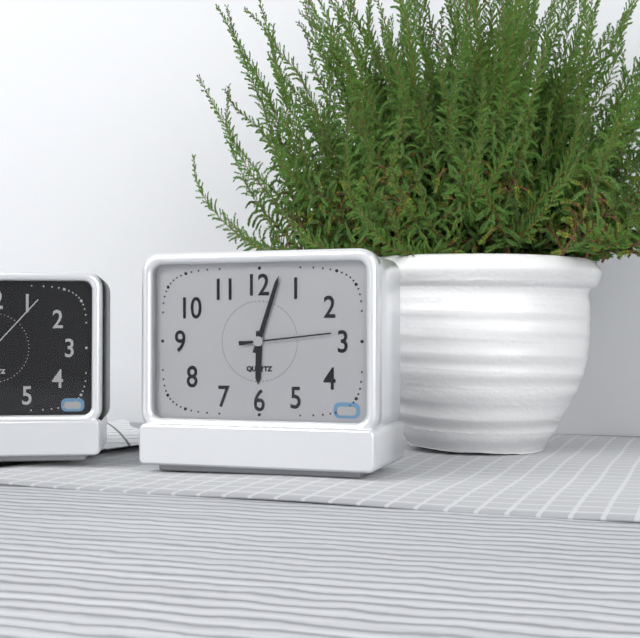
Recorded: h=6 m=3 s=14
